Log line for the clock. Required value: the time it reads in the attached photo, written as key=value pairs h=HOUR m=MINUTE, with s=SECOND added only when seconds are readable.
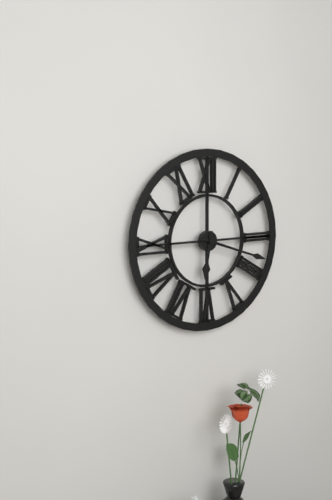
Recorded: h=6 m=18
